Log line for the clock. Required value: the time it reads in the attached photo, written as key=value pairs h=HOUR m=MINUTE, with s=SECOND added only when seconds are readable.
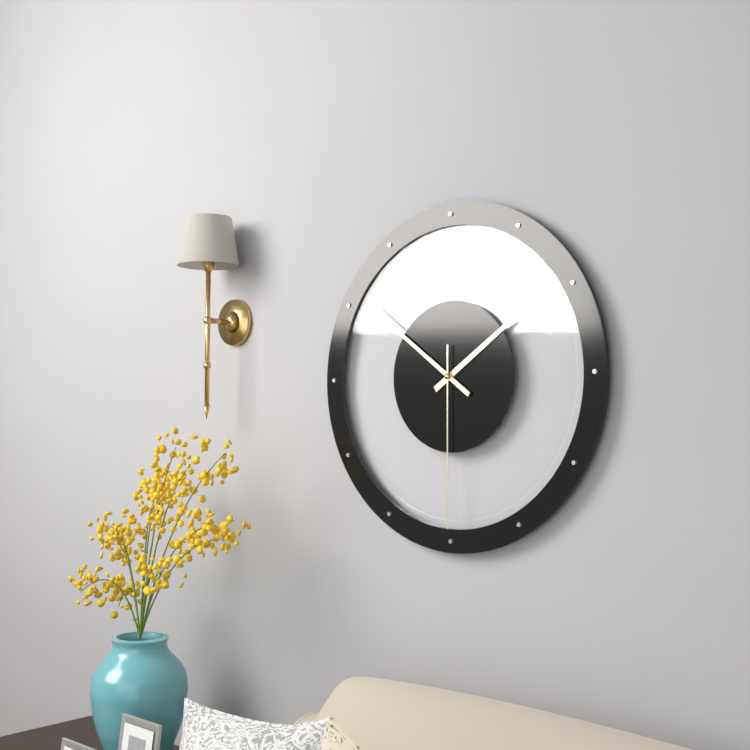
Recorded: h=1 m=51 s=30
